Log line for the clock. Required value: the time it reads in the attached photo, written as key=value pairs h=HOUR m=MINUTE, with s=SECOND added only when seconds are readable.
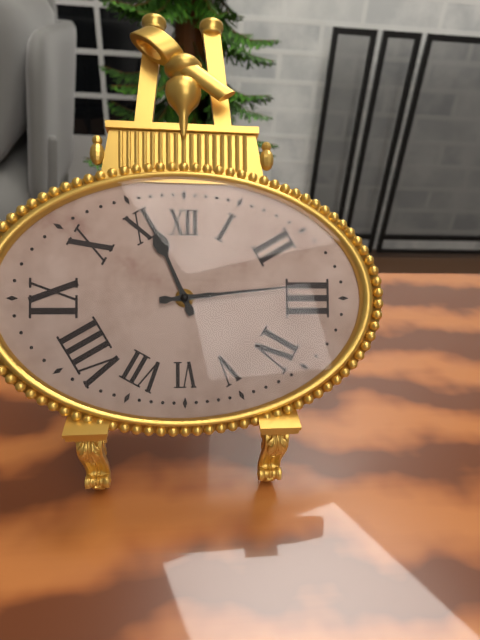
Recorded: h=11 m=14
